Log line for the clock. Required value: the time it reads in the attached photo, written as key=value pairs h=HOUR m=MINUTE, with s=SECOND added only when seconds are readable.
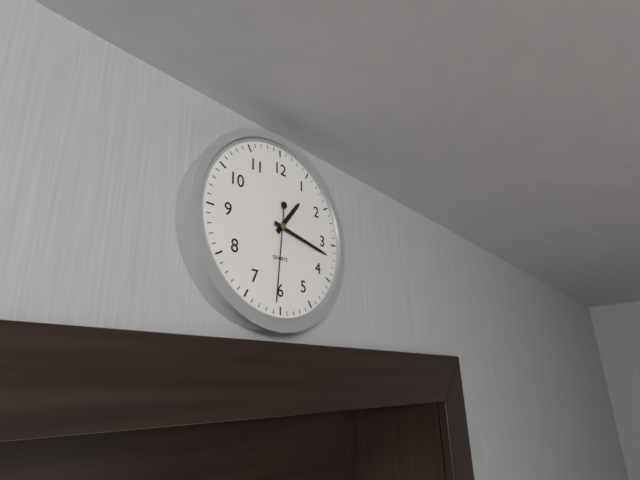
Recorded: h=1 m=17 s=31
